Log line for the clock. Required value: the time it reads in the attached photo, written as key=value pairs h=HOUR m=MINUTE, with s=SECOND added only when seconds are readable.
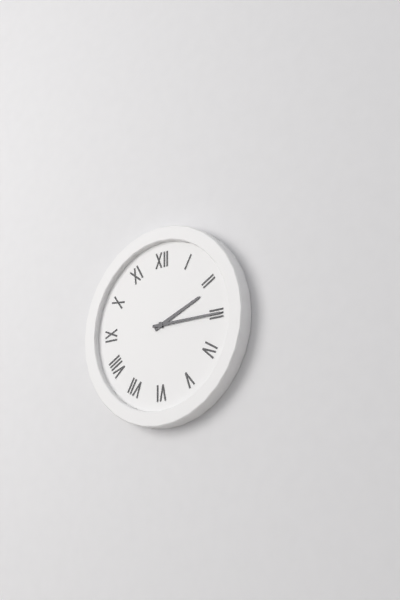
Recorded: h=2 m=15
